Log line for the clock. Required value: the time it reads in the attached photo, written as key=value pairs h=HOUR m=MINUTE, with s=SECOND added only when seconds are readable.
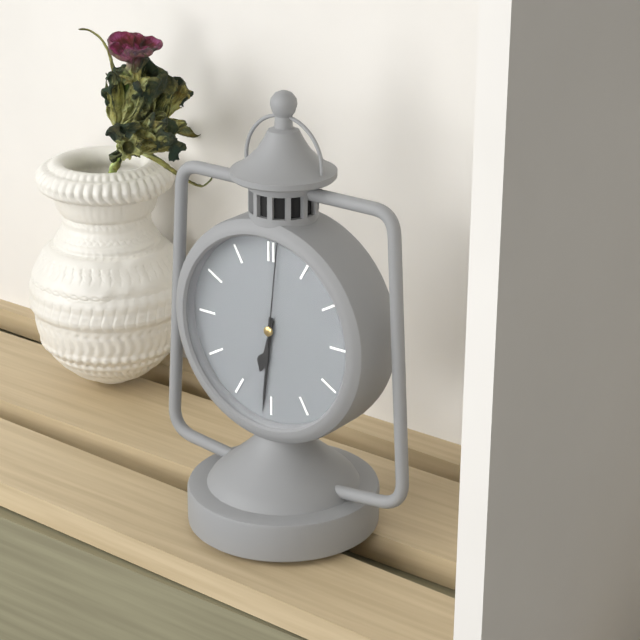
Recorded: h=6 m=31 s=1
